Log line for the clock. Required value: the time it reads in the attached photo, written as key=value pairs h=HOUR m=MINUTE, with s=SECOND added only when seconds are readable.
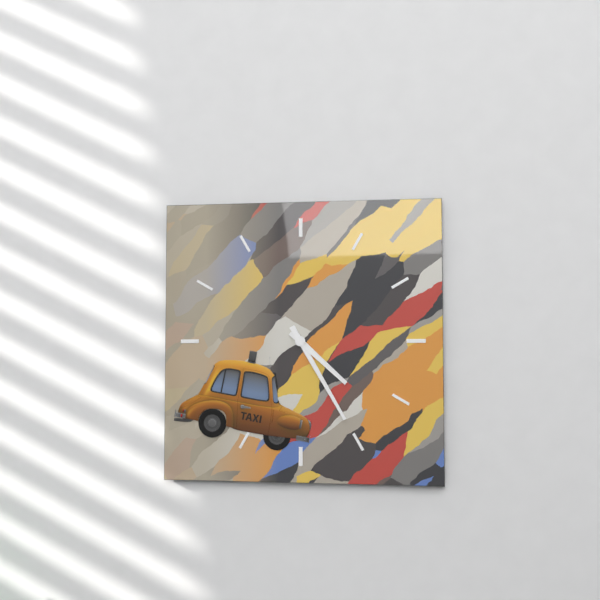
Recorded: h=4 m=25
